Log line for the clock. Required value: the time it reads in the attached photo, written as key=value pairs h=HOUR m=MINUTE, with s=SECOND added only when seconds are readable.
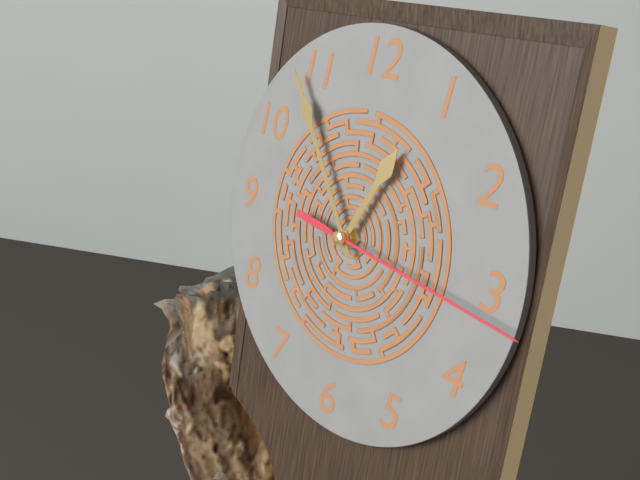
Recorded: h=12 m=54 s=16
